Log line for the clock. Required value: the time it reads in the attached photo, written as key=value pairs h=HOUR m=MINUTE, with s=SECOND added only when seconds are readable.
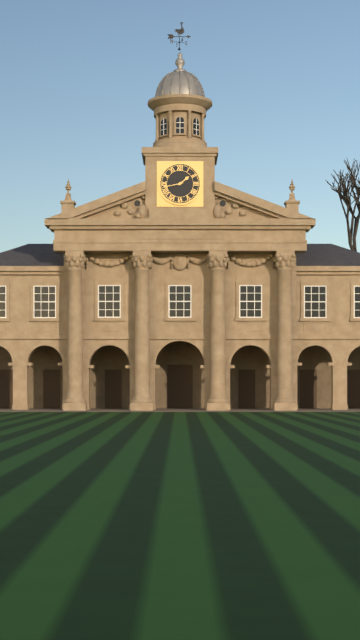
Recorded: h=1 m=43
